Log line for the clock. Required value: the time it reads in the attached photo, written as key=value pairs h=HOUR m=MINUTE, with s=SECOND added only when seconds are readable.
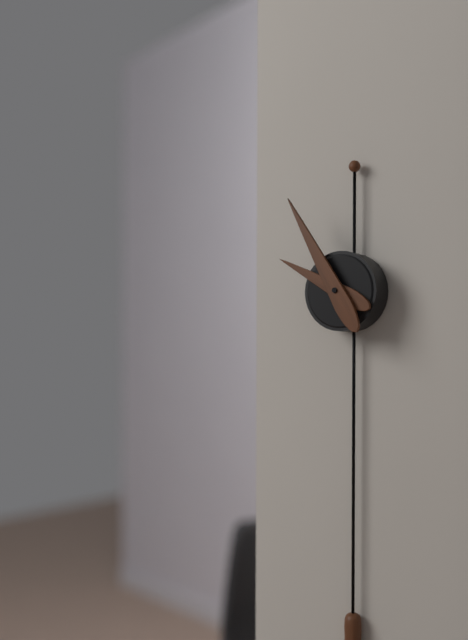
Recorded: h=9 m=55
